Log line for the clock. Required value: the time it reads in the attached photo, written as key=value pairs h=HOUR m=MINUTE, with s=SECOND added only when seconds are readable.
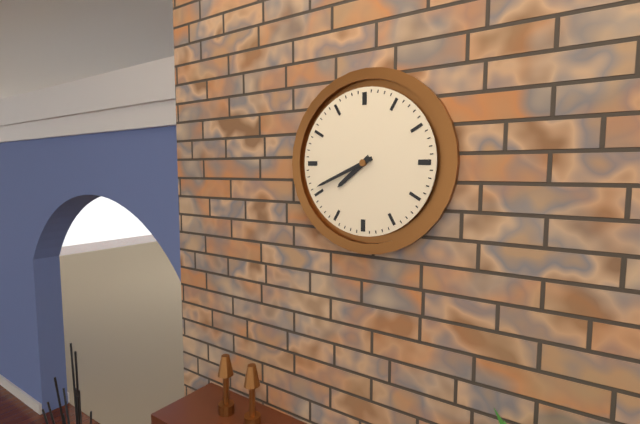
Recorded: h=7 m=41
